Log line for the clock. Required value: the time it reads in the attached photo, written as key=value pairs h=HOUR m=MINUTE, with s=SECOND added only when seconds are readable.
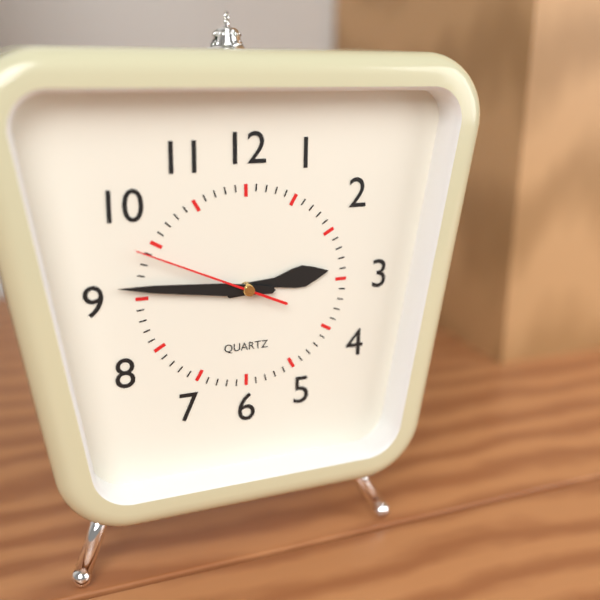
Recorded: h=2 m=46 s=49
